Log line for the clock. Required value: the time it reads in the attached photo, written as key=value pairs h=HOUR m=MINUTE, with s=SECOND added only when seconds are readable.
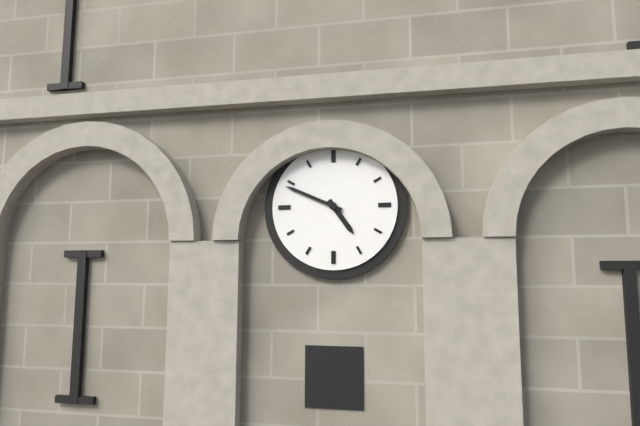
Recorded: h=4 m=49
